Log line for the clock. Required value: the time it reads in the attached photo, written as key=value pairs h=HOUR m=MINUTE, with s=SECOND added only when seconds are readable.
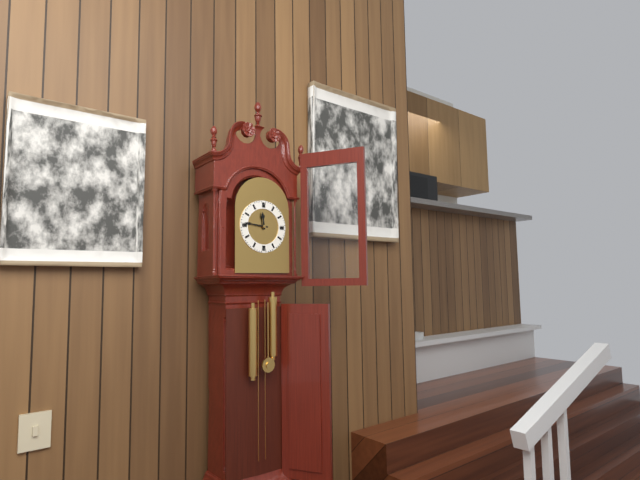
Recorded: h=11 m=46
